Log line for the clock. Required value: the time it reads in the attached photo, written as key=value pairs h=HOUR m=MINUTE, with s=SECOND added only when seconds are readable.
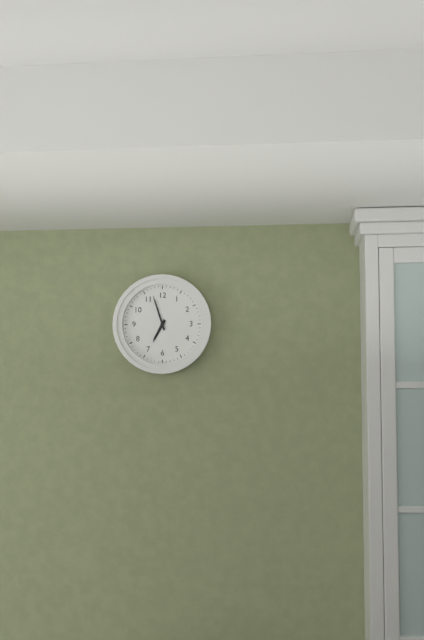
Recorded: h=6 m=57
